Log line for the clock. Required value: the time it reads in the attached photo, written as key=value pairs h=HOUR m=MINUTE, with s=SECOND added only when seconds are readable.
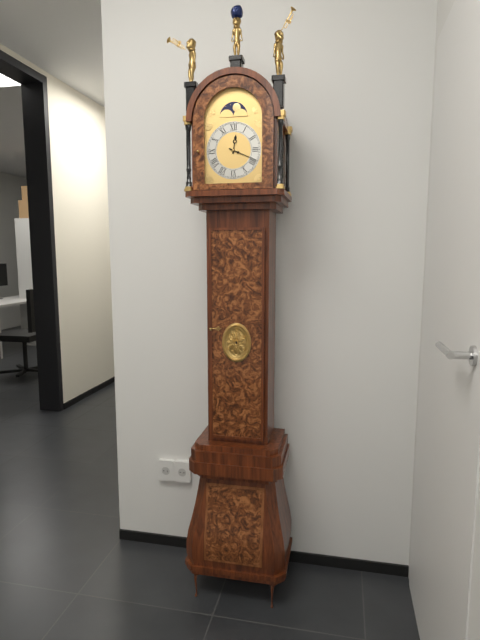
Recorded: h=12 m=19
